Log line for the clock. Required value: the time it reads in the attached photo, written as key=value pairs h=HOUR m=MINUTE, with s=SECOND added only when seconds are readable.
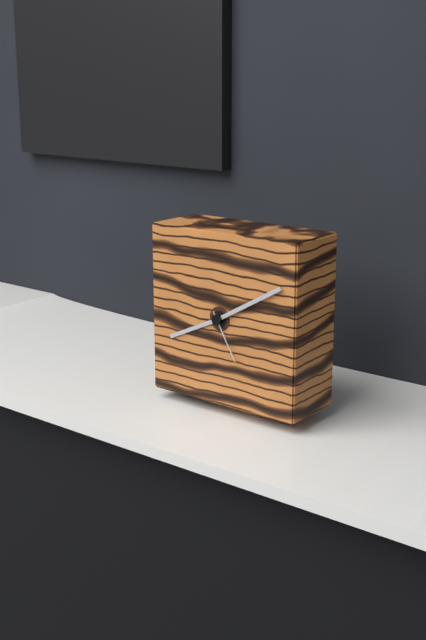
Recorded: h=8 m=10 s=25
